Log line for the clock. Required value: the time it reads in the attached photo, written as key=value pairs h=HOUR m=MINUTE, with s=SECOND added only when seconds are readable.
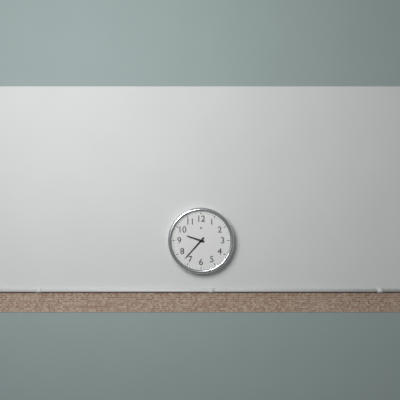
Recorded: h=9 m=37
